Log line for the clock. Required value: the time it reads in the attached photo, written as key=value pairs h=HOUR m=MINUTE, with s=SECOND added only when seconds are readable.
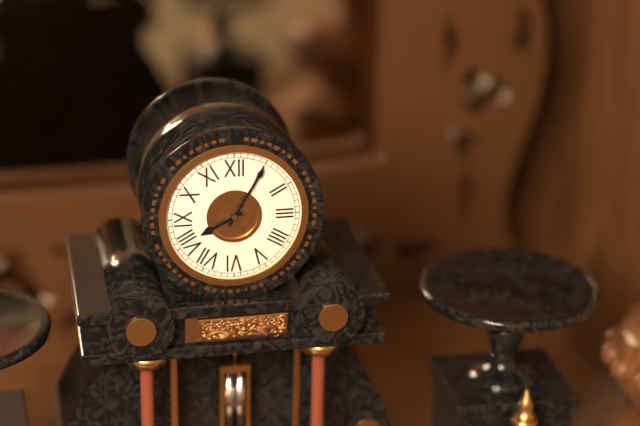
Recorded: h=8 m=5
